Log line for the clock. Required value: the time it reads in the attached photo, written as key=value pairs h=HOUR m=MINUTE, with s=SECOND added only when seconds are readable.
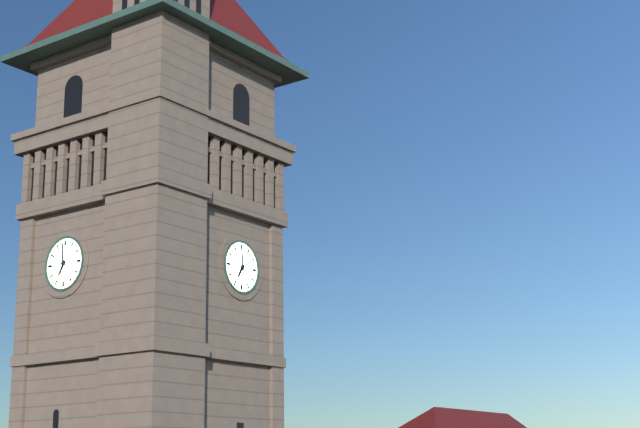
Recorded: h=6 m=59
